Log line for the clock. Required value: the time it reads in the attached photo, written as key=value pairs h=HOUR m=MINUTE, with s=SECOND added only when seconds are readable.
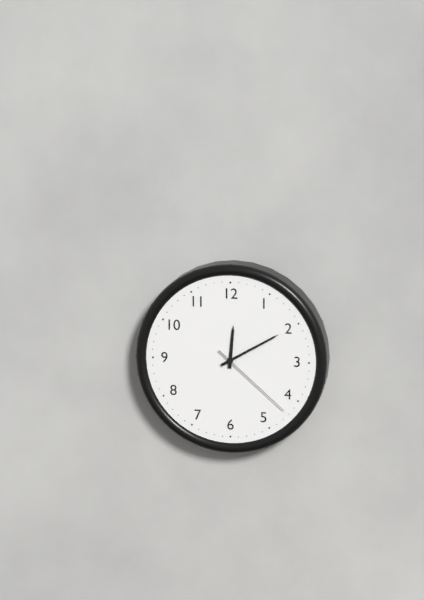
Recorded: h=12 m=10 s=22
